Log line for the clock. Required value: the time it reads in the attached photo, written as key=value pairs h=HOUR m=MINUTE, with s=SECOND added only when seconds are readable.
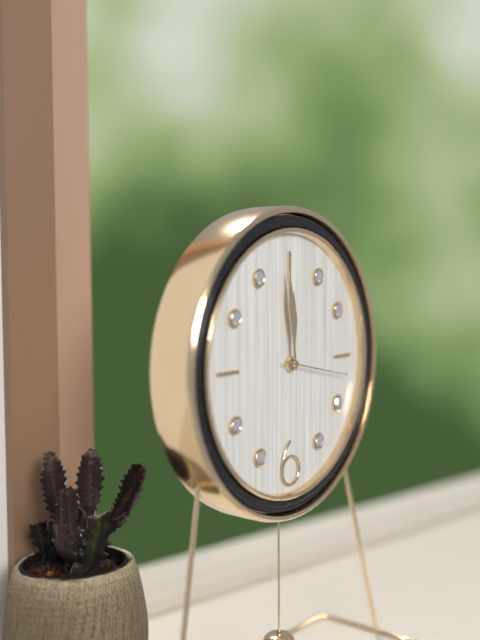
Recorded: h=11 m=59 s=17
